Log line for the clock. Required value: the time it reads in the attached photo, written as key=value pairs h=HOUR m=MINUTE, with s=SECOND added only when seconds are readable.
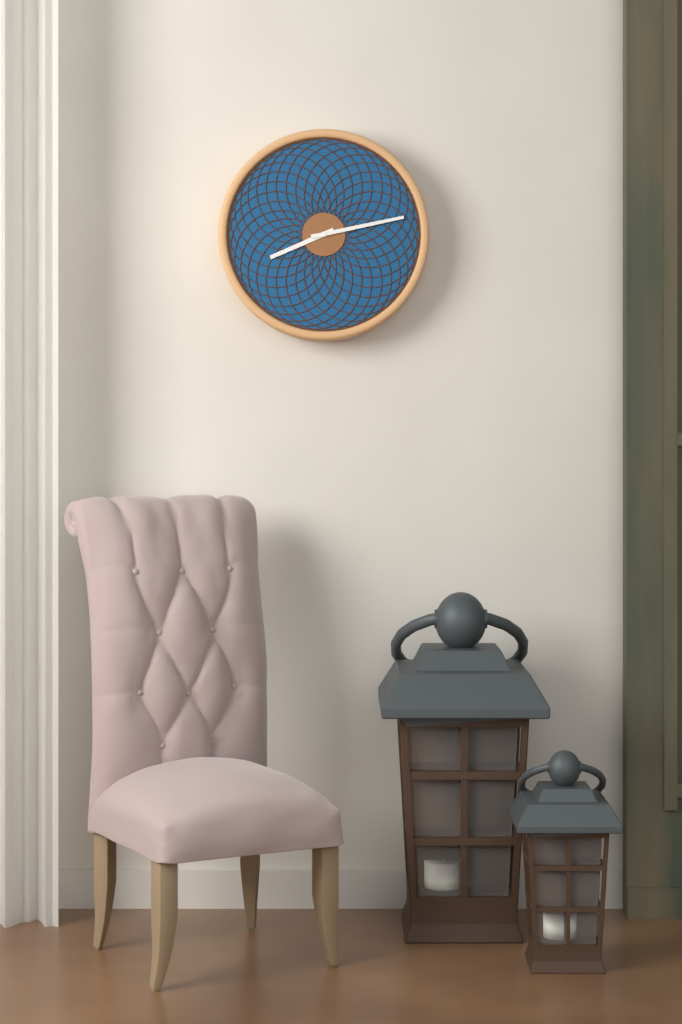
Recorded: h=8 m=13
